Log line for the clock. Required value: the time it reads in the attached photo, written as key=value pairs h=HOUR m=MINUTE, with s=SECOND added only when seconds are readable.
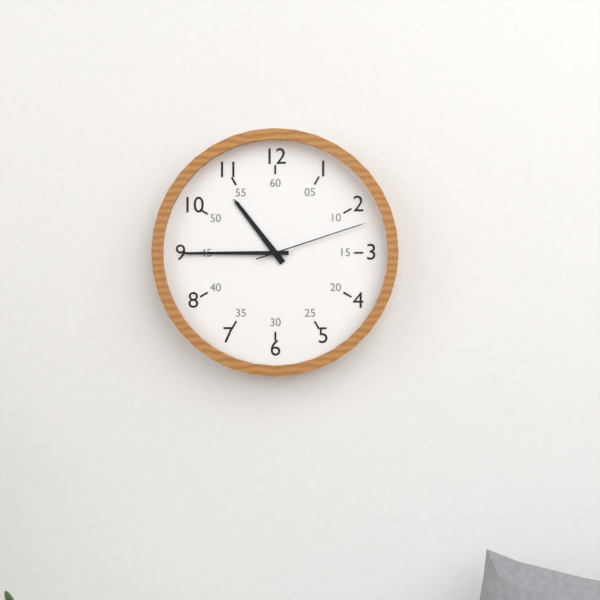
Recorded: h=10 m=45 s=12
